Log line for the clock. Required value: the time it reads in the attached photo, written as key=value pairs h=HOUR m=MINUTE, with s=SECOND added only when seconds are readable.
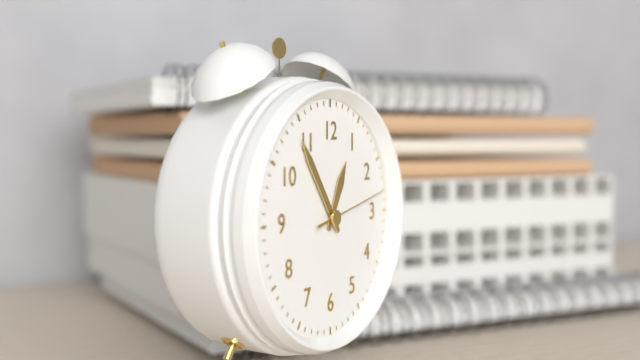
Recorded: h=12 m=54 s=13
